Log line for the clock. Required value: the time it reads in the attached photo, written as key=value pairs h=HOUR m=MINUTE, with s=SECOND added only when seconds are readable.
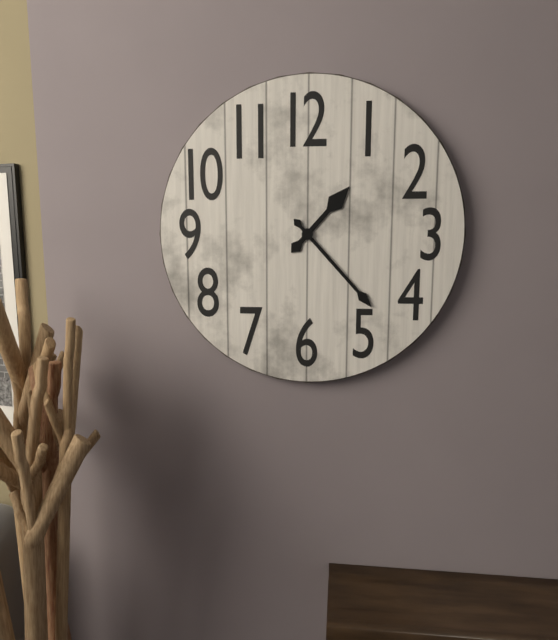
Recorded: h=1 m=23
